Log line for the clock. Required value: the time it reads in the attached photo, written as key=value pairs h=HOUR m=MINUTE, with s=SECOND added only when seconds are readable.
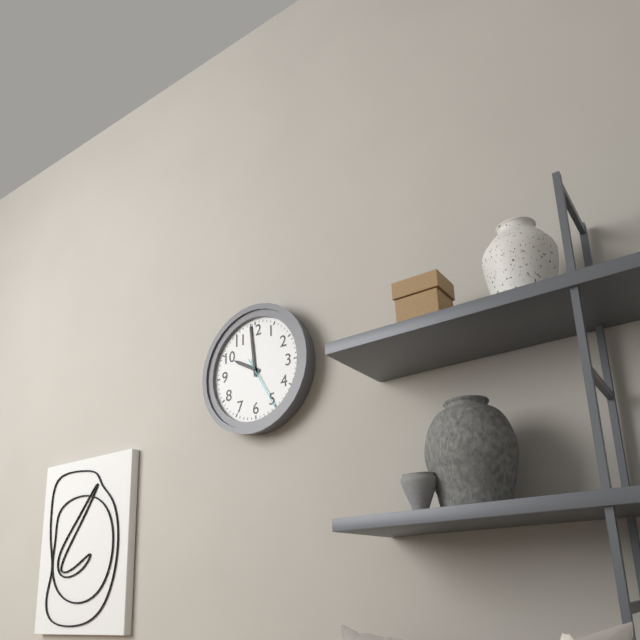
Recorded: h=9 m=59 s=25
